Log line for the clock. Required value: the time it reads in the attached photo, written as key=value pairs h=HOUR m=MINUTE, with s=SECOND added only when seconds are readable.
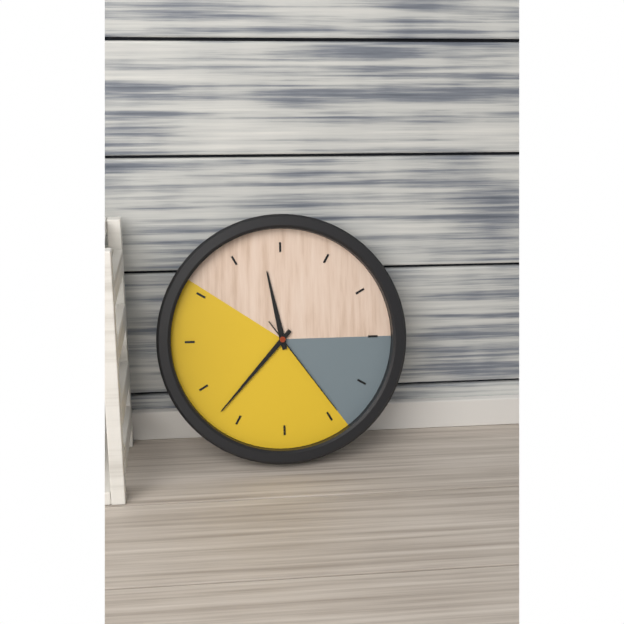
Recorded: h=11 m=37 s=24
